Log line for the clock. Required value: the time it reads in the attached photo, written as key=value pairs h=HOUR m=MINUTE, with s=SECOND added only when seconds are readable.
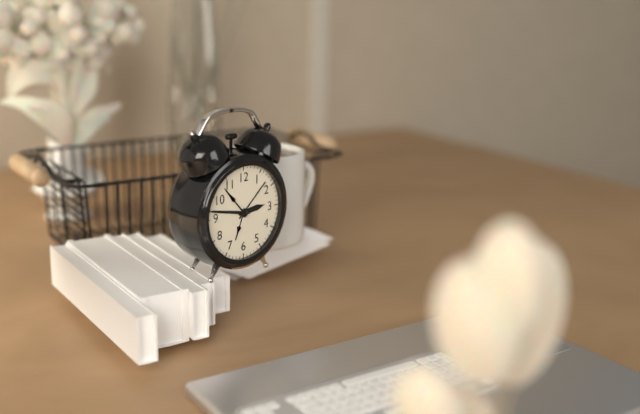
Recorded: h=2 m=47
